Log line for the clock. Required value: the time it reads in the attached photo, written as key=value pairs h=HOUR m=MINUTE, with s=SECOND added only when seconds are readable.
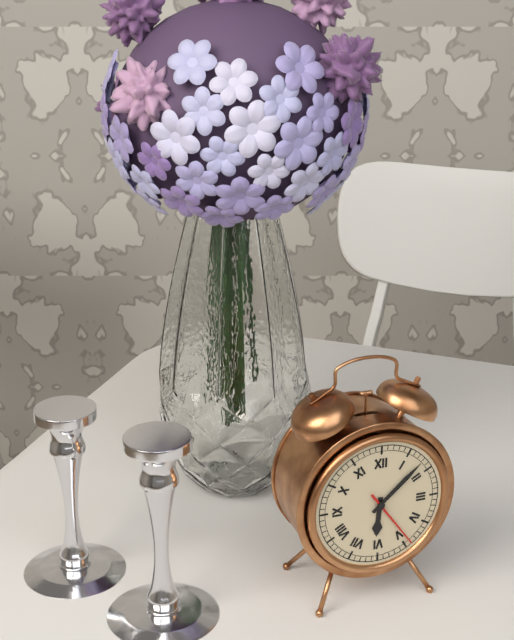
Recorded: h=6 m=8 s=24
